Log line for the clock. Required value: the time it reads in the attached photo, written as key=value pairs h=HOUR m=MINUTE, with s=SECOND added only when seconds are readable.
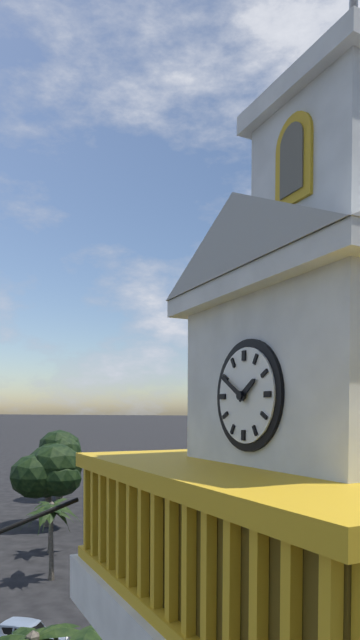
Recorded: h=1 m=50
